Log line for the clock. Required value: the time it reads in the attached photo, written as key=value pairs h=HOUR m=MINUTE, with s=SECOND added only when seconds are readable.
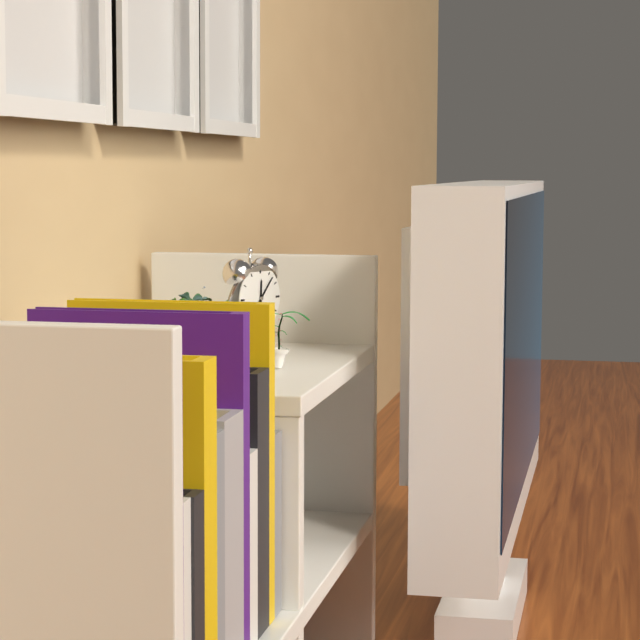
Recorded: h=12 m=7
